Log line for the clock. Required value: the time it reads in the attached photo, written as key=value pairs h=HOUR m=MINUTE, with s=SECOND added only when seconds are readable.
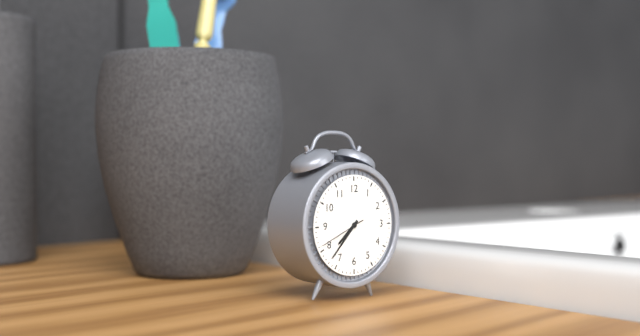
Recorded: h=7 m=37
